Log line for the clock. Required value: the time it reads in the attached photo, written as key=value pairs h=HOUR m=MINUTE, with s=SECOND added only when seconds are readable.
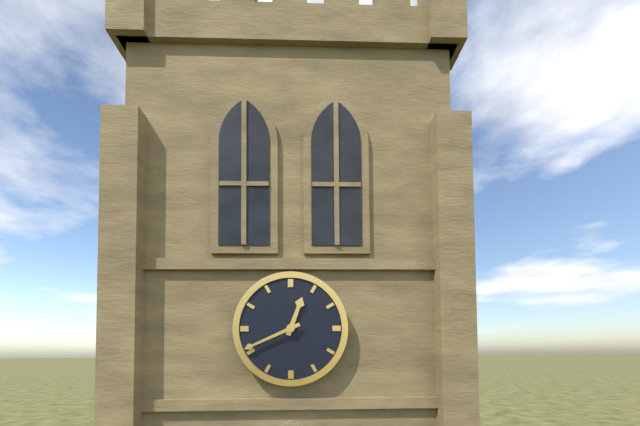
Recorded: h=12 m=41
